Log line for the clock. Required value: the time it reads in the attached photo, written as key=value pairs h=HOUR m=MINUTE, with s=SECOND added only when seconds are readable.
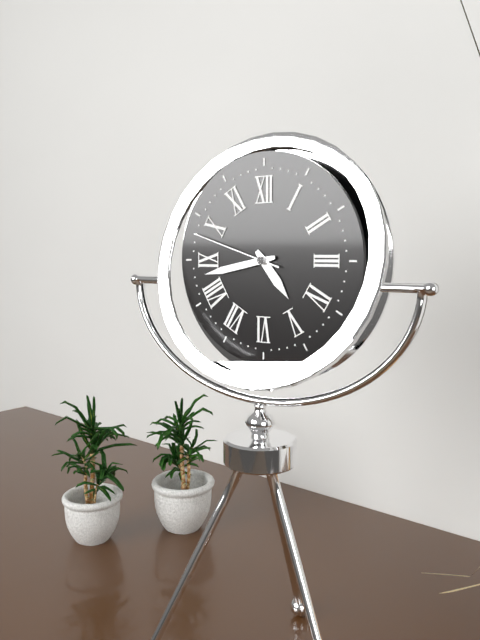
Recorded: h=4 m=43 s=48
